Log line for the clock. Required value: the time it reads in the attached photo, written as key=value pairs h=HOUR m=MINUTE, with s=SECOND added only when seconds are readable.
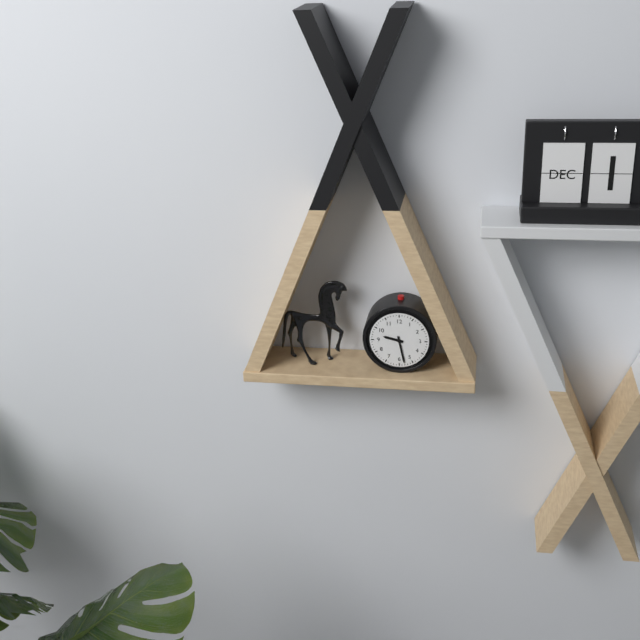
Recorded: h=9 m=28
